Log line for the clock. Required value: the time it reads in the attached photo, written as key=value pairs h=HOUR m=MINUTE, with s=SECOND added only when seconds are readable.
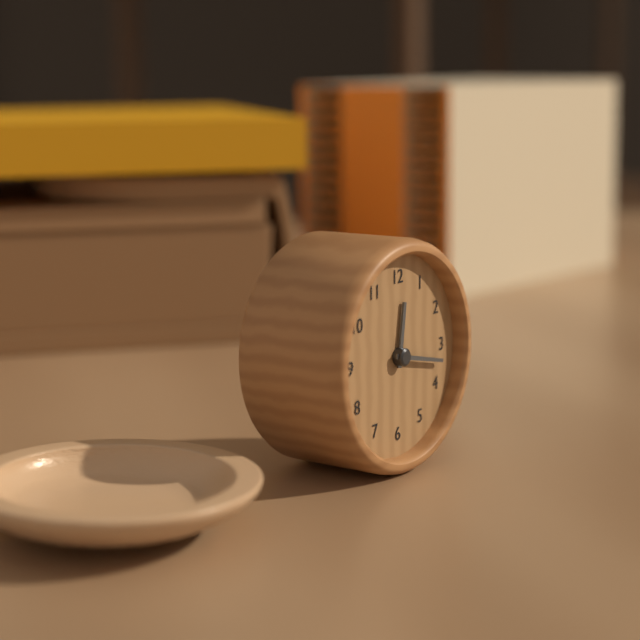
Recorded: h=12 m=17
